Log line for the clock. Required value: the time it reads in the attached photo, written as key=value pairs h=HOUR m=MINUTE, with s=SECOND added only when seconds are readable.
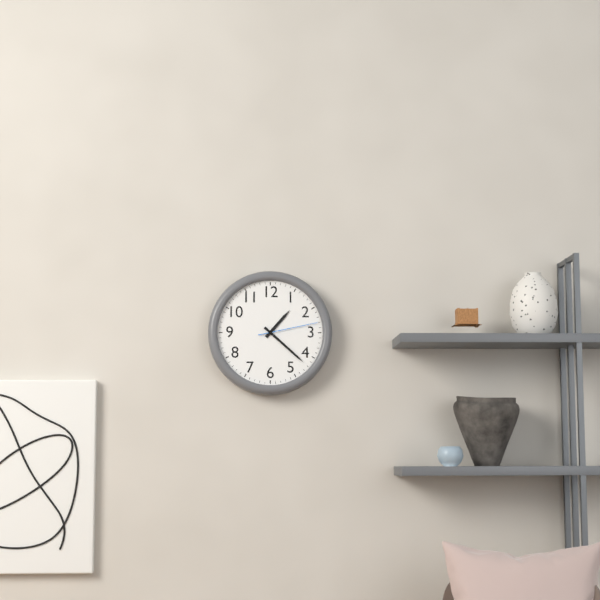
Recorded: h=1 m=22 s=13
